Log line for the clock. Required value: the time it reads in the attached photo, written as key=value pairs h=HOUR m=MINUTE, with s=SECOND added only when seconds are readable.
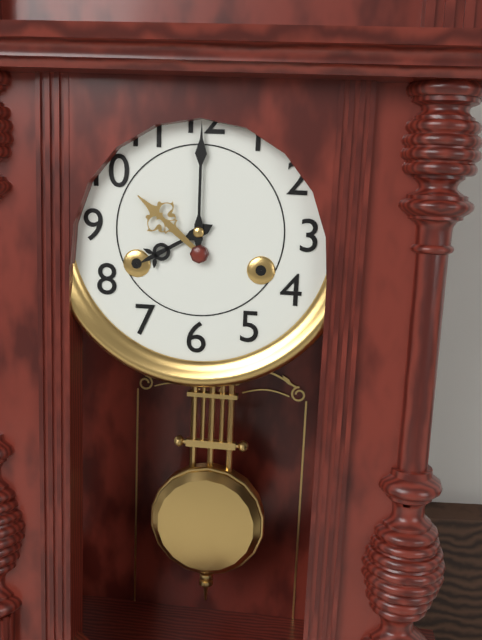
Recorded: h=8 m=0
